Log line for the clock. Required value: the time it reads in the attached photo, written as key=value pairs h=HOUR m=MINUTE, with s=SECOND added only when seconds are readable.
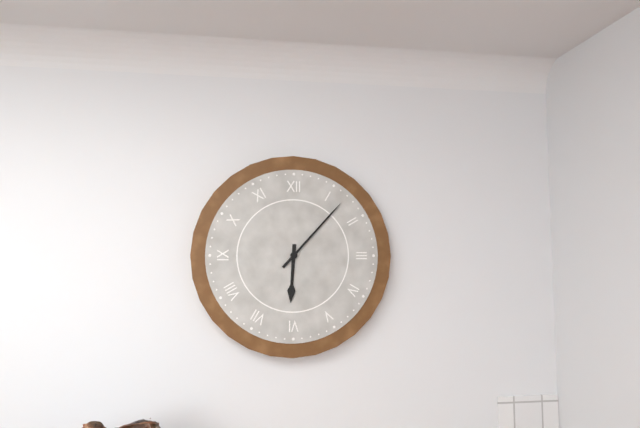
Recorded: h=6 m=7
